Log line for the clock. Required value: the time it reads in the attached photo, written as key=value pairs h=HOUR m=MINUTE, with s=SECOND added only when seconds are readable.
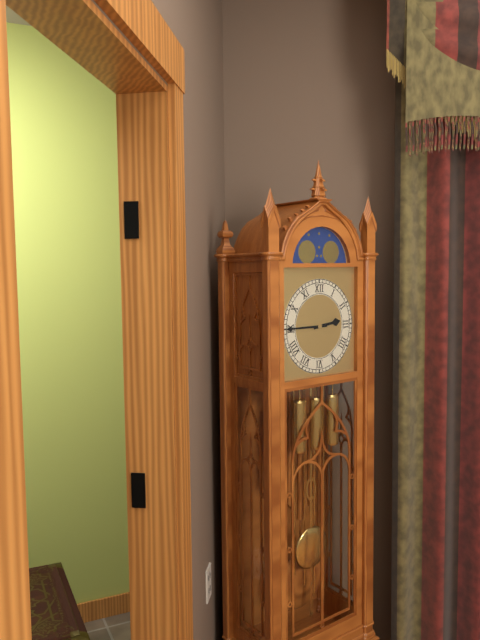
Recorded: h=2 m=45
